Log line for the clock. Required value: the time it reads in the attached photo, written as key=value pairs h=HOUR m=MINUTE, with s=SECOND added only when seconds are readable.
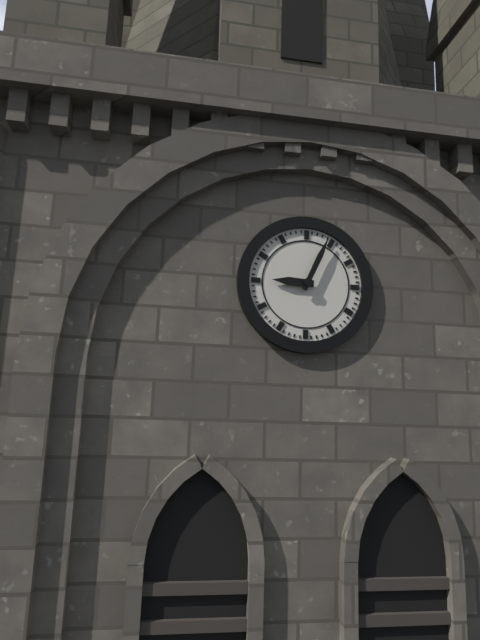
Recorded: h=9 m=4
